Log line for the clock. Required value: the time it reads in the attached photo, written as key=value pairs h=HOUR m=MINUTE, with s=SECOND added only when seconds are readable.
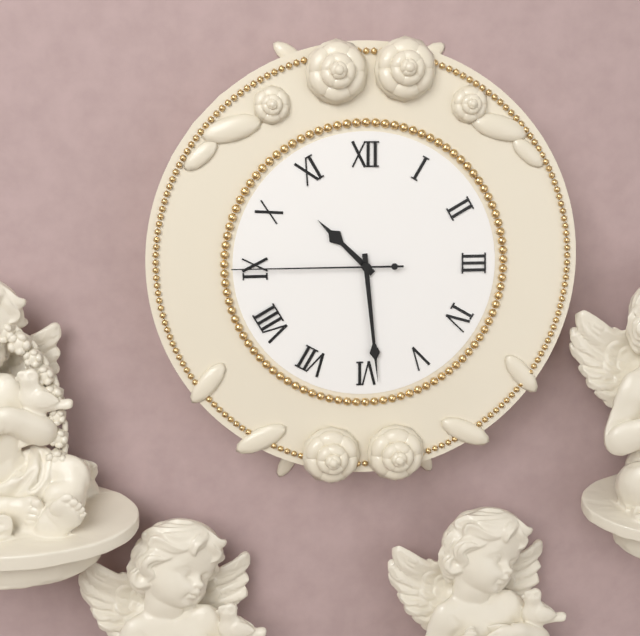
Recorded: h=10 m=29 s=45
